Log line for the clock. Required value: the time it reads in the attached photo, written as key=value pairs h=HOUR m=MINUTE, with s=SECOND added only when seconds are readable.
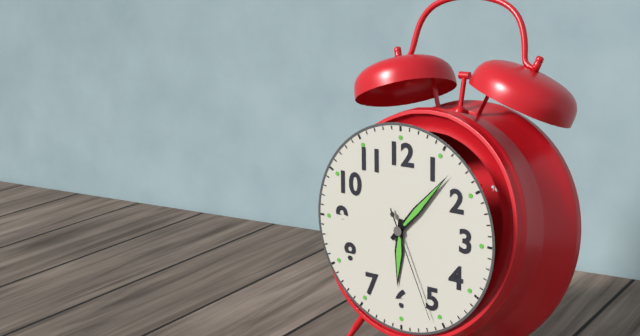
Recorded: h=6 m=7 s=26
